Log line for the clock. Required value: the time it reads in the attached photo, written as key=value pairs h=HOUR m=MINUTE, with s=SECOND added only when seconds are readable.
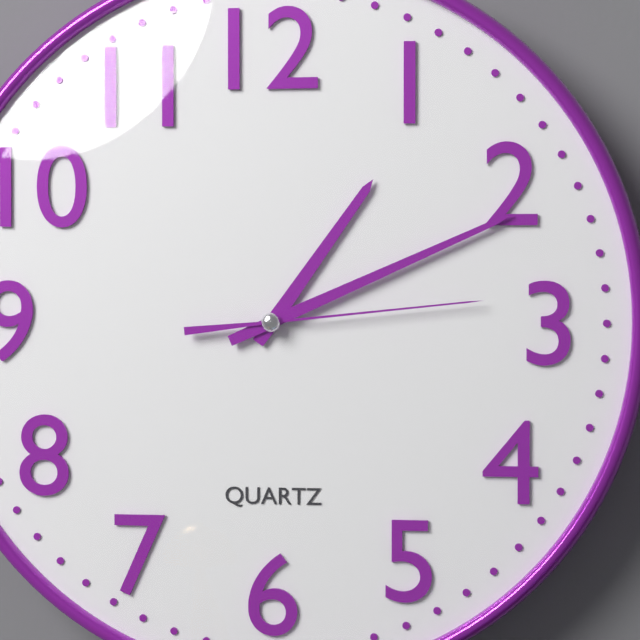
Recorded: h=1 m=11 s=14
